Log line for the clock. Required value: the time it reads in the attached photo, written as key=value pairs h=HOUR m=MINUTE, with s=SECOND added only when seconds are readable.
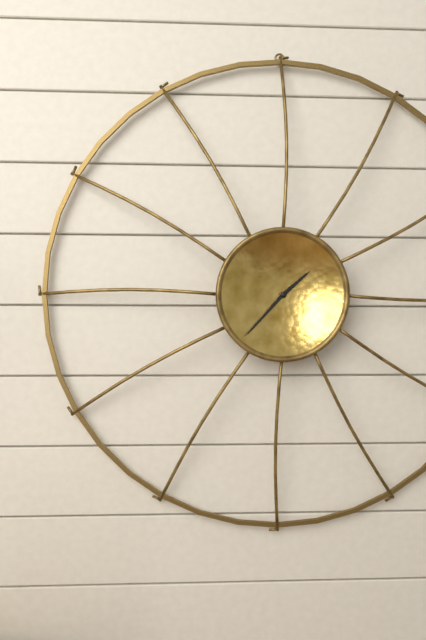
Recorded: h=1 m=37
